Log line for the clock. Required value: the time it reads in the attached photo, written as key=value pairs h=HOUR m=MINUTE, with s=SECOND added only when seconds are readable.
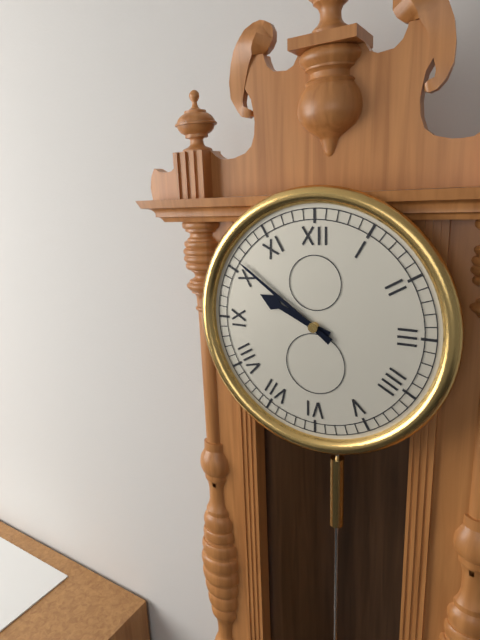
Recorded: h=9 m=51
